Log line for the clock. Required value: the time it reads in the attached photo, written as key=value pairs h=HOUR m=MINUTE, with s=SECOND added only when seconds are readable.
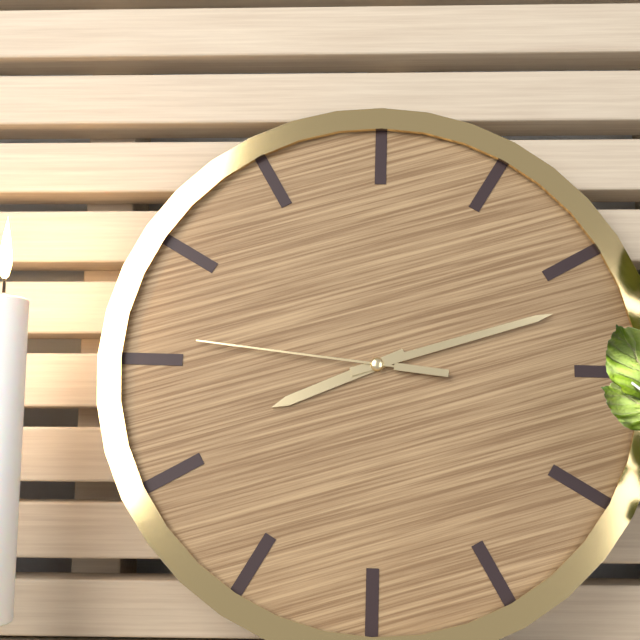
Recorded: h=8 m=12 s=46
